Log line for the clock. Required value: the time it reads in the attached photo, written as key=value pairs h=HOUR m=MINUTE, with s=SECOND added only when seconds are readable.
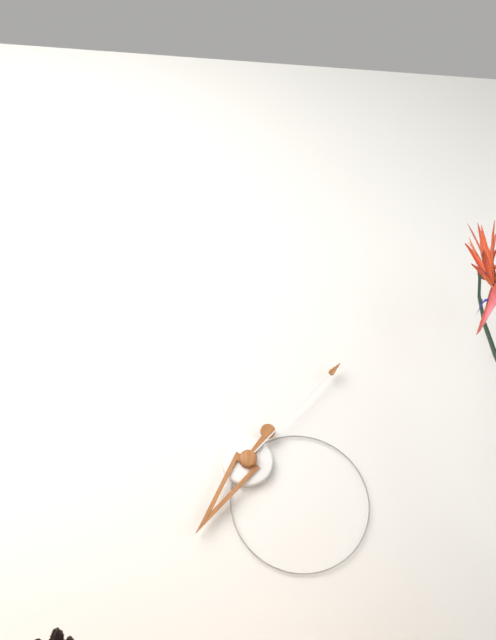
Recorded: h=7 m=7
